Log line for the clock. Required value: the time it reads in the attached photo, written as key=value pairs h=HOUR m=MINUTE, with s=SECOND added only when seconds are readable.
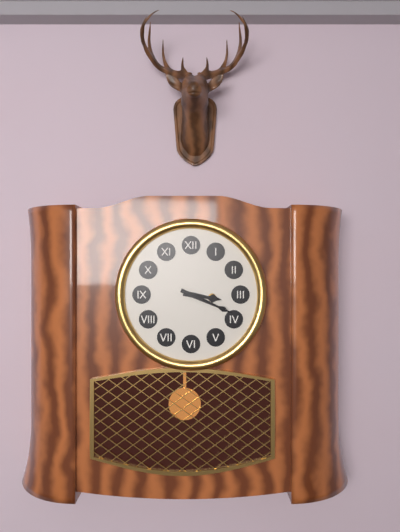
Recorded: h=3 m=19
